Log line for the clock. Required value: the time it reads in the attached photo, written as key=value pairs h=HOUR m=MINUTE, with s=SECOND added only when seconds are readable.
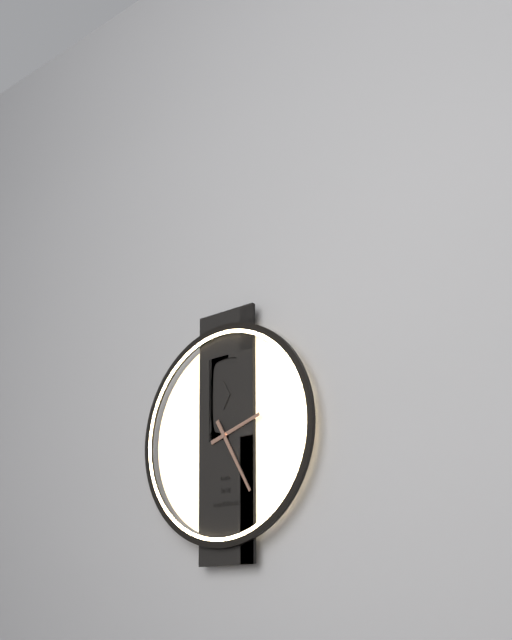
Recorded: h=2 m=25
